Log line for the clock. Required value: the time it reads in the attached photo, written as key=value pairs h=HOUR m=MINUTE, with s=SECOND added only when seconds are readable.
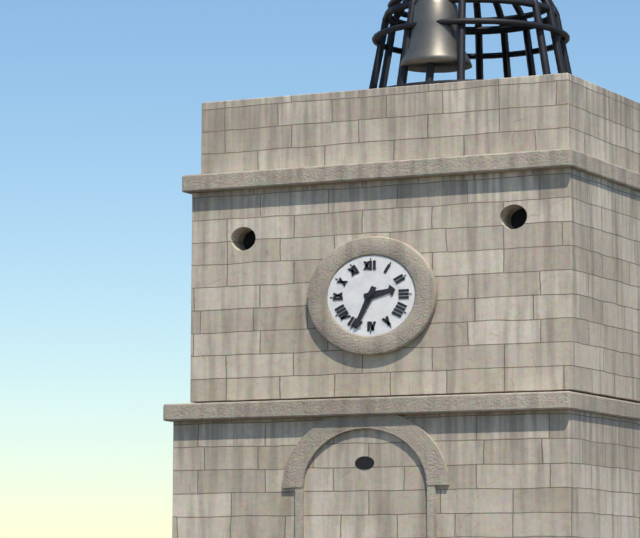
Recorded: h=2 m=34
